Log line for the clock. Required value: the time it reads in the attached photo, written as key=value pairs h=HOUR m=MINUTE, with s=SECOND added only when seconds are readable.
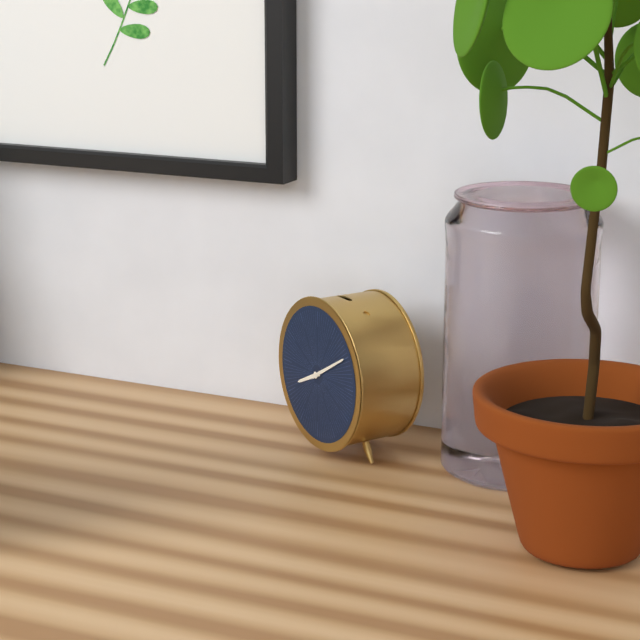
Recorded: h=8 m=10
